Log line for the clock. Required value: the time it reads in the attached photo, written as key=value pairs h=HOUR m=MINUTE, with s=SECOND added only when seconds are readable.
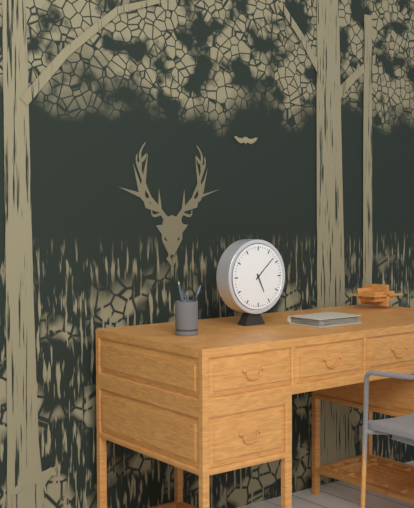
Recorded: h=5 m=8
